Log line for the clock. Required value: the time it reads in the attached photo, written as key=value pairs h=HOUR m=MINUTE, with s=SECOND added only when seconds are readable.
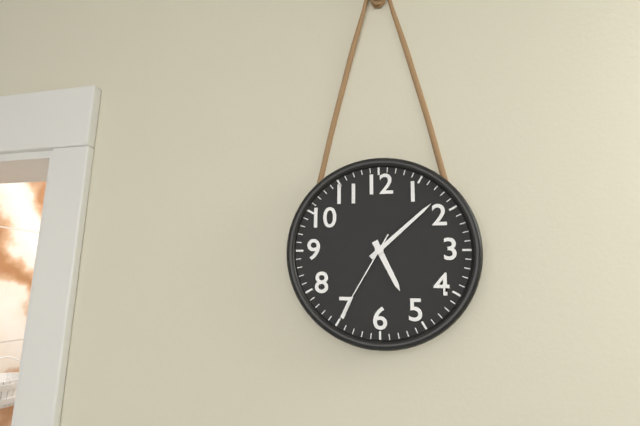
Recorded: h=5 m=8 s=35
